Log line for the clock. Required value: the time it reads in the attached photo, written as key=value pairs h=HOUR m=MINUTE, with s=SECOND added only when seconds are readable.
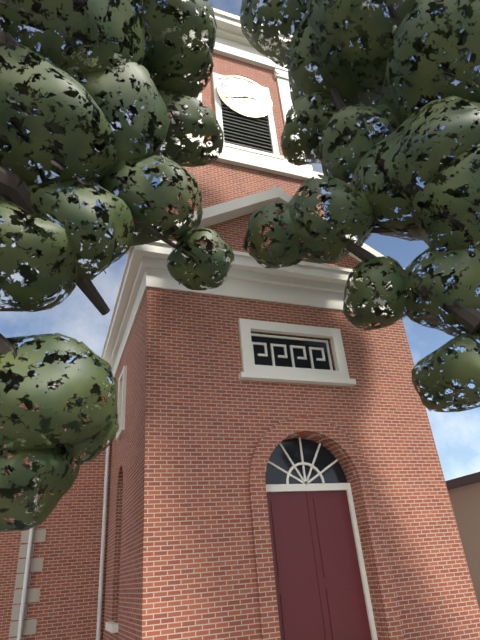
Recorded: h=2 m=41
